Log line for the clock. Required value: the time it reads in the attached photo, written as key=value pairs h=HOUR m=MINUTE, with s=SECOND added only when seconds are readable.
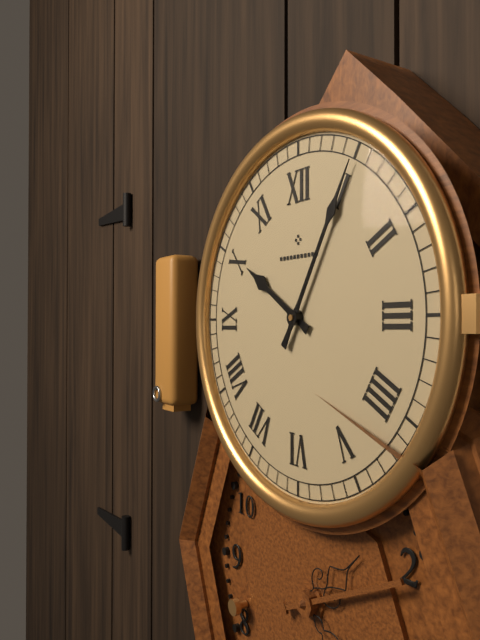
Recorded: h=10 m=5
